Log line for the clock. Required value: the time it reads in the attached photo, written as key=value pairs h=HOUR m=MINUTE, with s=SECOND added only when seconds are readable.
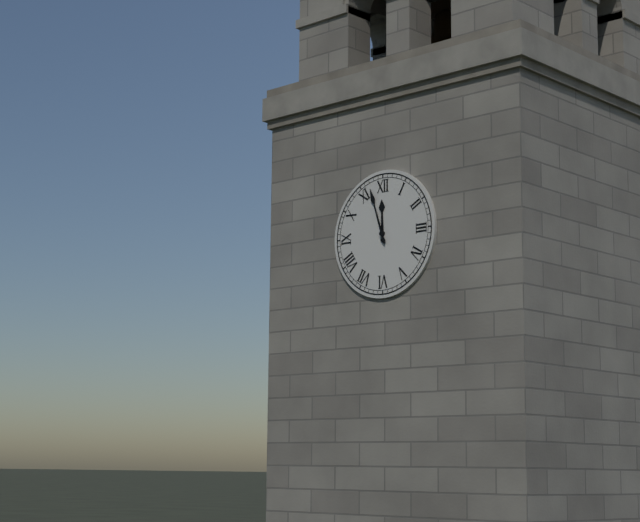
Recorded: h=11 m=57
